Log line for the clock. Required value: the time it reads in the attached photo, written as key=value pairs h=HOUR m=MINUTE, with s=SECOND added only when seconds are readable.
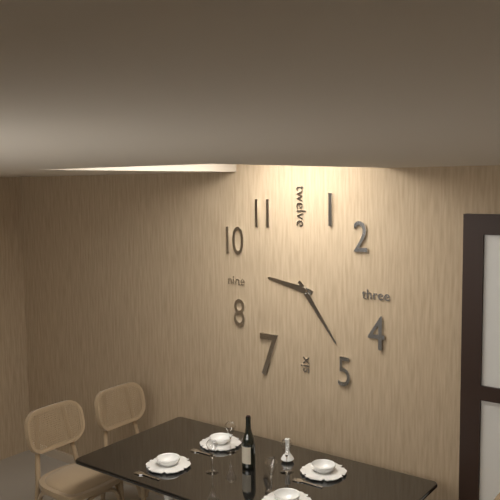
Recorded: h=9 m=24
